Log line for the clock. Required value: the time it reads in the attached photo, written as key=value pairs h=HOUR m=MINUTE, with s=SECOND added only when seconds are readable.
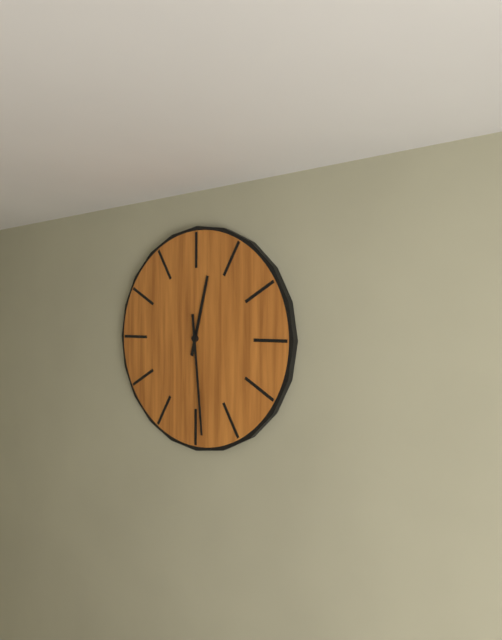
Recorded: h=12 m=29
